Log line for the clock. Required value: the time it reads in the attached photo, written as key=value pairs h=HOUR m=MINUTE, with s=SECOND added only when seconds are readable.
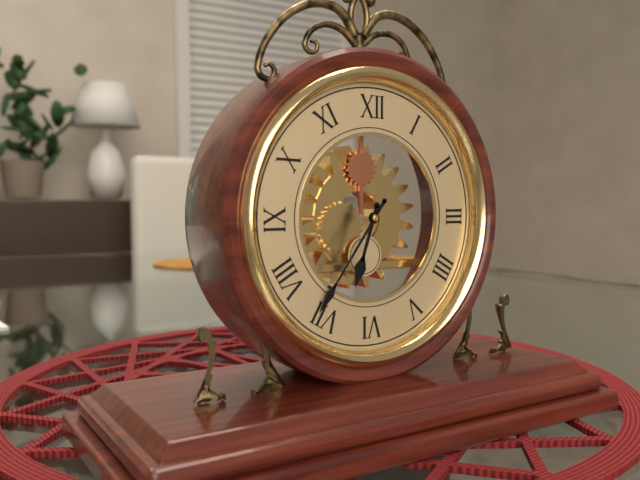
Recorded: h=6 m=36
